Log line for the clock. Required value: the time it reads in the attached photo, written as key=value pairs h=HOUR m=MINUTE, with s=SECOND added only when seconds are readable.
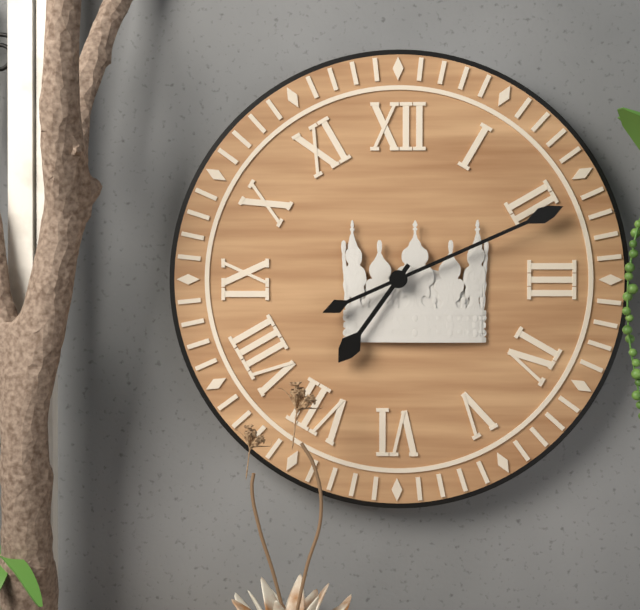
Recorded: h=7 m=11
